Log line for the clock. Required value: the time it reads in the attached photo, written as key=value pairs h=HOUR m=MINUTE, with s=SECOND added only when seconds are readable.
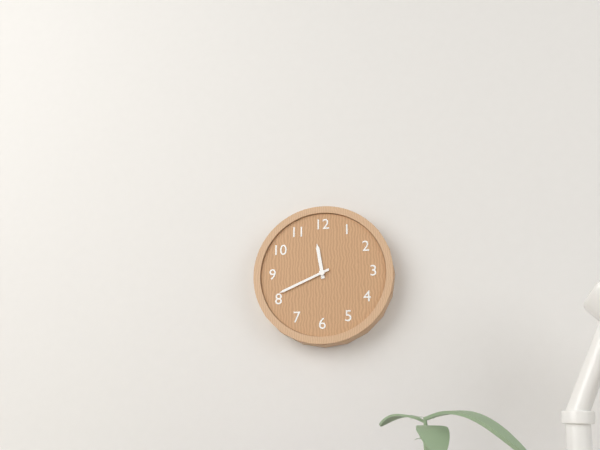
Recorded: h=11 m=41
